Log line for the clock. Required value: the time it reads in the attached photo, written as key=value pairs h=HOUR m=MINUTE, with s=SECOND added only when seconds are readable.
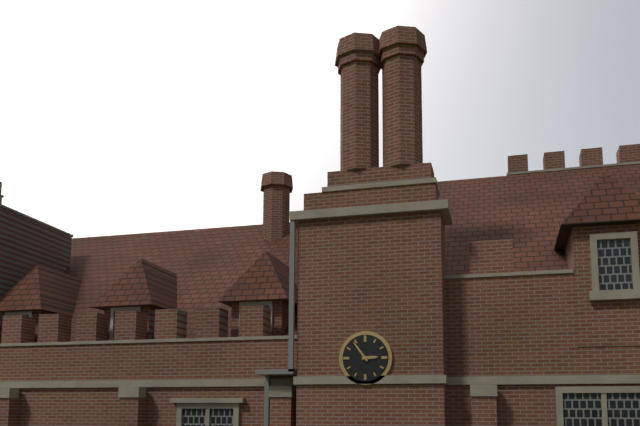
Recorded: h=2 m=54
